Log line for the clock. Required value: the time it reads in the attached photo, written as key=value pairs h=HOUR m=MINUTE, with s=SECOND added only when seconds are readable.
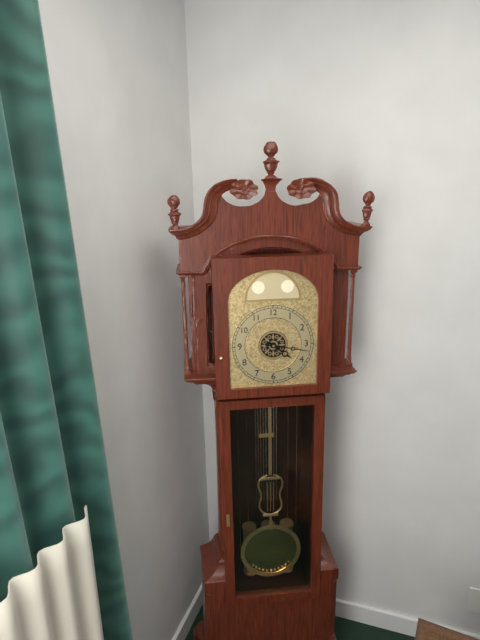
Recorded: h=4 m=17
